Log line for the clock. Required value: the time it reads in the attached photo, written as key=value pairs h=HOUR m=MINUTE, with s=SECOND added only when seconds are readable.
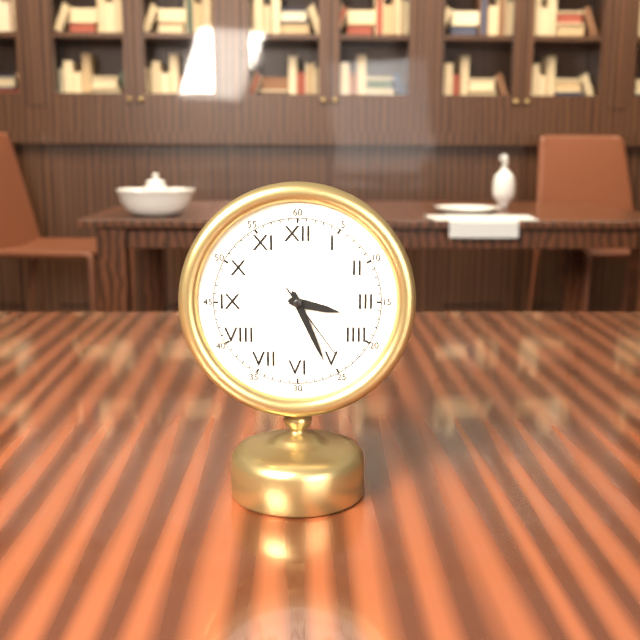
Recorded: h=3 m=26 s=24
